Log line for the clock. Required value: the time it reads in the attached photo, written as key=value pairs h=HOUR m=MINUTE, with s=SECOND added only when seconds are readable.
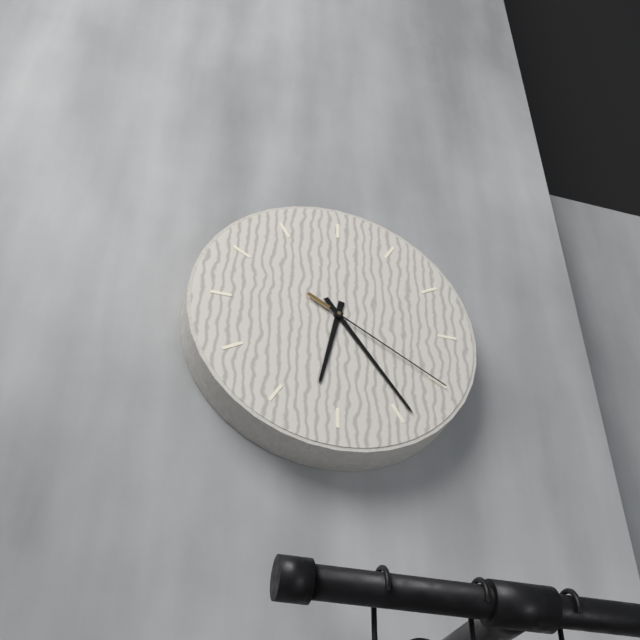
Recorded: h=6 m=24 s=20
